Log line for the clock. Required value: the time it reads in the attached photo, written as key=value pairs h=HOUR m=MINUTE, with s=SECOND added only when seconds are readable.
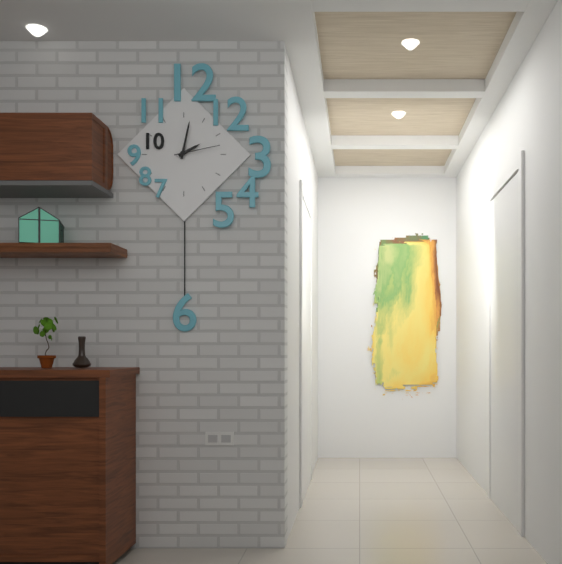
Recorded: h=2 m=2
